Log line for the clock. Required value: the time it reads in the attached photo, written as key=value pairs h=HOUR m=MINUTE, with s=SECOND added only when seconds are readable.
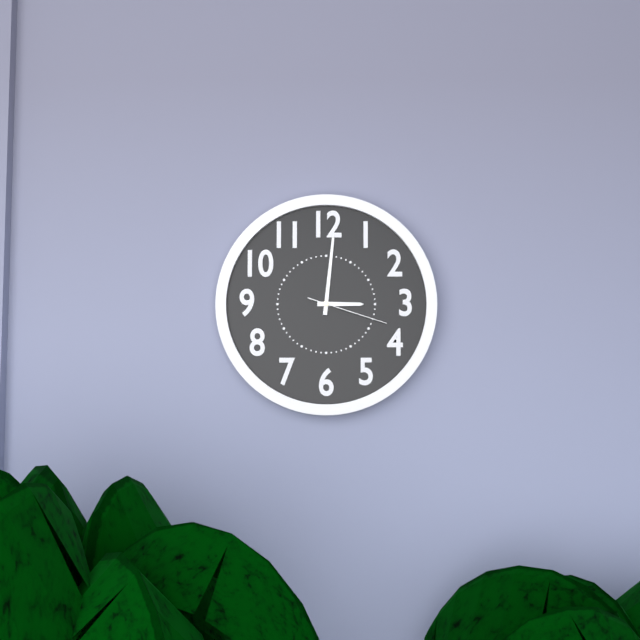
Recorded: h=3 m=1 s=18
